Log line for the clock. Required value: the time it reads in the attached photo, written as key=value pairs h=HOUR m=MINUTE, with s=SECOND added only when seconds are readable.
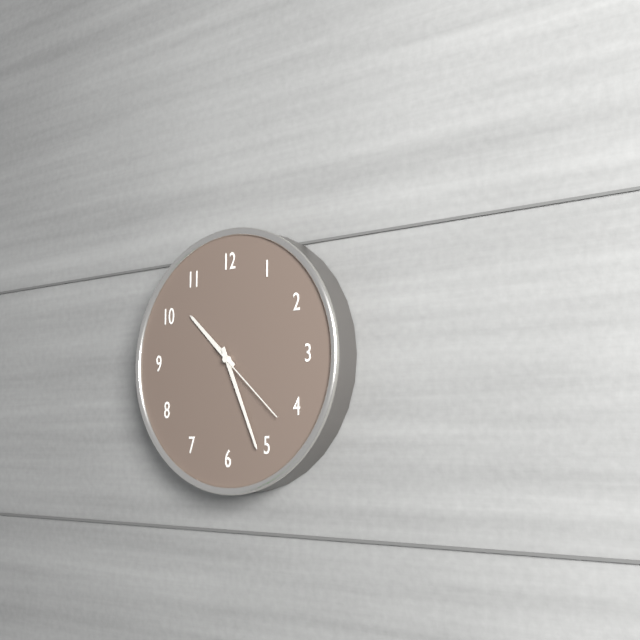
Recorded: h=10 m=26 s=22
